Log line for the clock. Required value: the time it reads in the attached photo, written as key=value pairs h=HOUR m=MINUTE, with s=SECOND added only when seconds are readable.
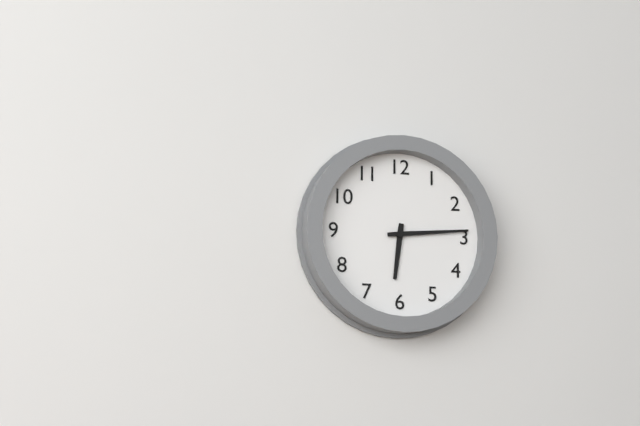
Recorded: h=6 m=14
